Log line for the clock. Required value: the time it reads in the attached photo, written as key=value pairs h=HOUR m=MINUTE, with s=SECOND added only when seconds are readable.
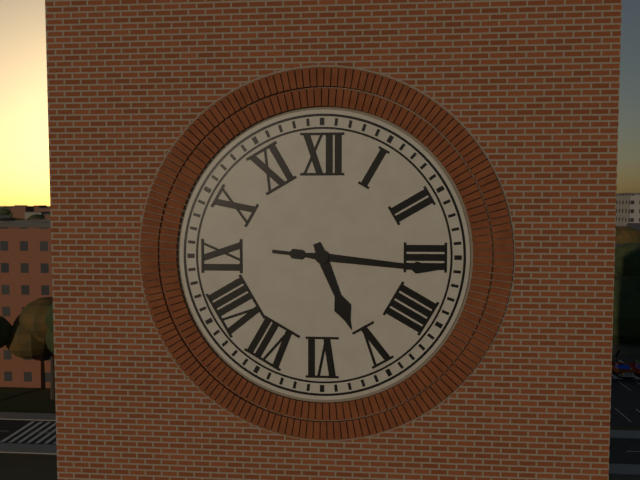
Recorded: h=5 m=16
